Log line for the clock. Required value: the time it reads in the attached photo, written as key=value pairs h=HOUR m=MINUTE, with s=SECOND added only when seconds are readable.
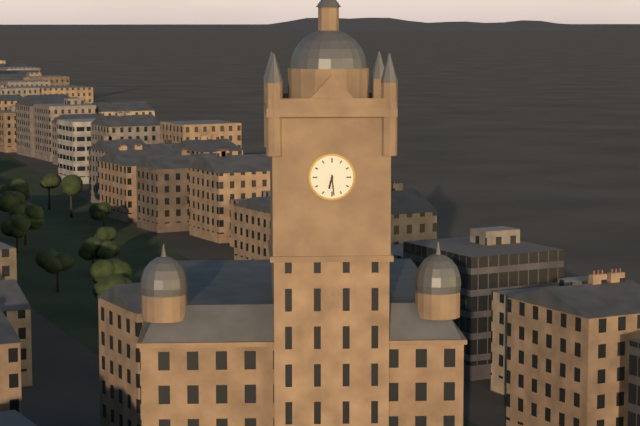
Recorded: h=6 m=29
